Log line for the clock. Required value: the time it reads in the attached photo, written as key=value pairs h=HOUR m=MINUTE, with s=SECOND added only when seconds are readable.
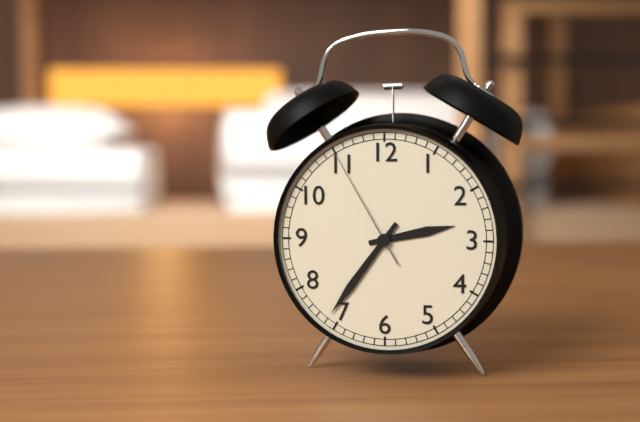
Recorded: h=2 m=36 s=55
